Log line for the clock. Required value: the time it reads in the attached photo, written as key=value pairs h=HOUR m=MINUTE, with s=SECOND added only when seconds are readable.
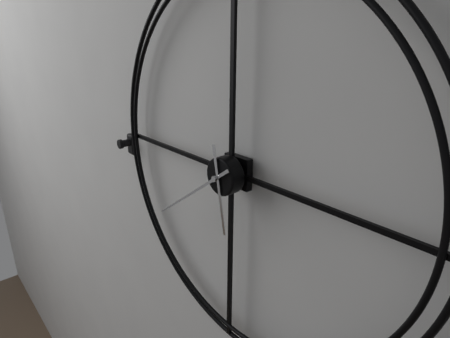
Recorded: h=5 m=39
